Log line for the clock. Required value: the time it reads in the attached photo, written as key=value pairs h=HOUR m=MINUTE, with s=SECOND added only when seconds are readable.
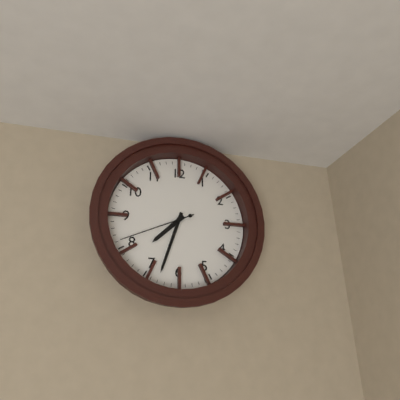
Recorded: h=7 m=33 s=41
